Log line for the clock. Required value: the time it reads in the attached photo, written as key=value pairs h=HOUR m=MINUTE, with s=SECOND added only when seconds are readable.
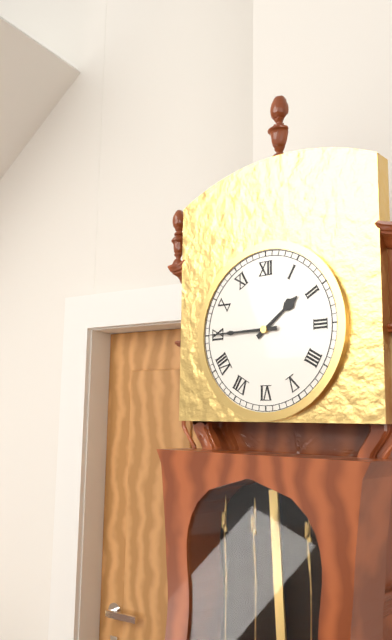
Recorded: h=1 m=45
